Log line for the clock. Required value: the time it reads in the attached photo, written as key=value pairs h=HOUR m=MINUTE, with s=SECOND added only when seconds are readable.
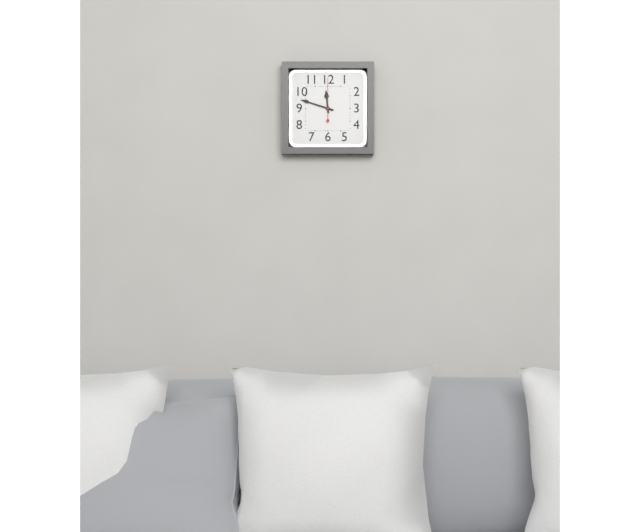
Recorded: h=11 m=48
